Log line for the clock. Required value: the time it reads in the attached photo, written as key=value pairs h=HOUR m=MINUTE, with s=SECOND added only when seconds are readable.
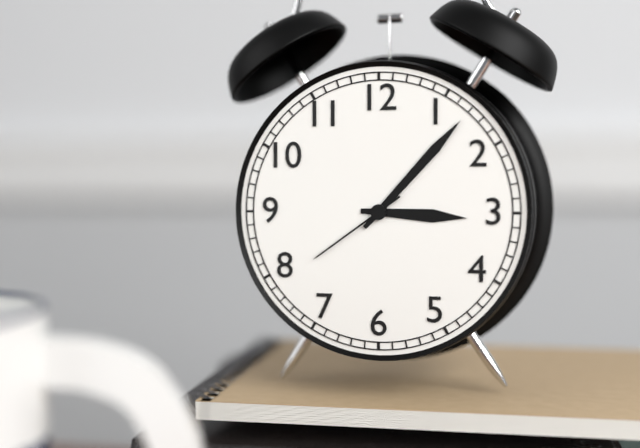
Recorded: h=3 m=7 s=39
